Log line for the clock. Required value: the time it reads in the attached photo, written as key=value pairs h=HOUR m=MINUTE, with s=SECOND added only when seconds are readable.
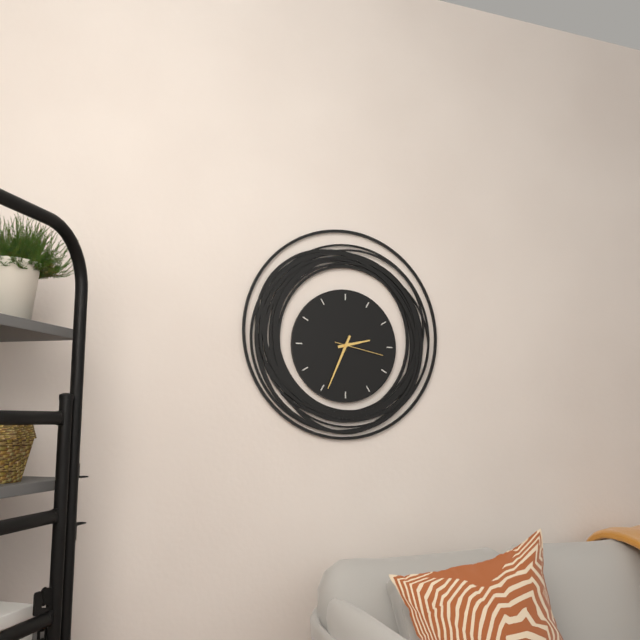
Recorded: h=2 m=34
